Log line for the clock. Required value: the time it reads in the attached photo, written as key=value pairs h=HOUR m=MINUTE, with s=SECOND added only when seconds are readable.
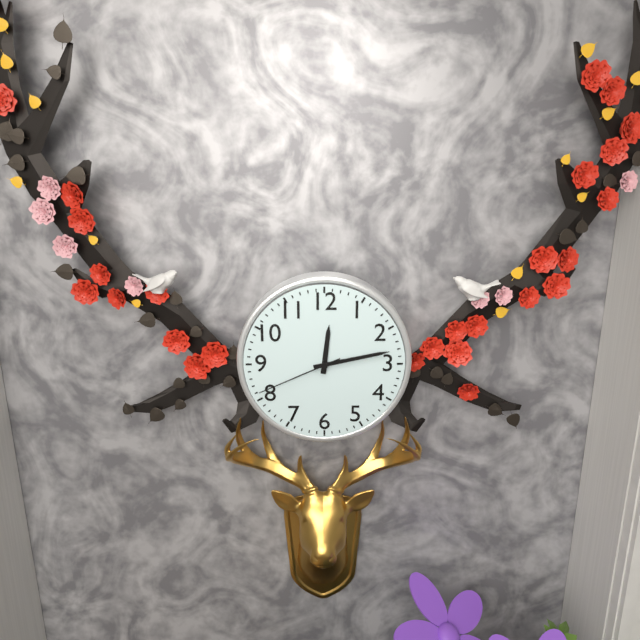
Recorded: h=12 m=13 s=41
